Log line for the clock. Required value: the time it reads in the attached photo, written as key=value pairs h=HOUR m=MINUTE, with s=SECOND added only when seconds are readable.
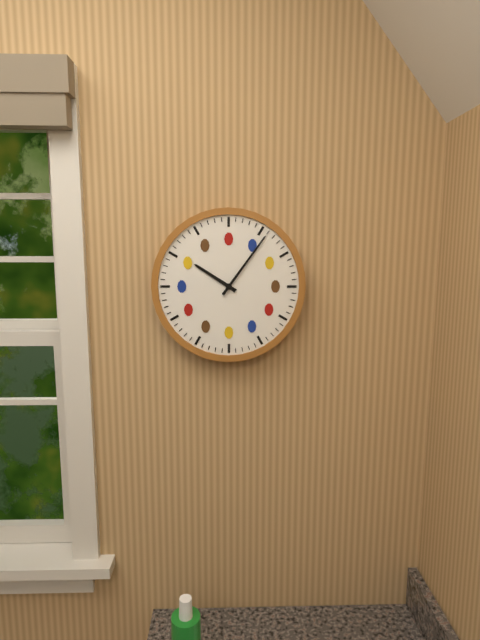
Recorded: h=10 m=6
